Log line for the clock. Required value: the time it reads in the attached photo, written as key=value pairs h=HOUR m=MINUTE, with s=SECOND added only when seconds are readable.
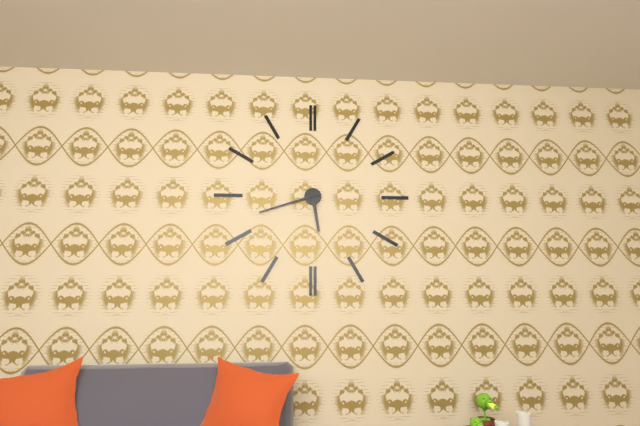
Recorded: h=5 m=42
